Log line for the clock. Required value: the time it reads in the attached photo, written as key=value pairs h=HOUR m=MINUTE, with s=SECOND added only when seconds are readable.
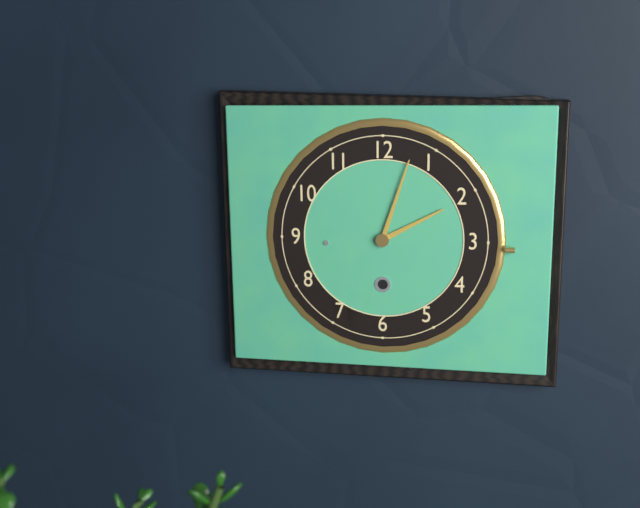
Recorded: h=2 m=3
